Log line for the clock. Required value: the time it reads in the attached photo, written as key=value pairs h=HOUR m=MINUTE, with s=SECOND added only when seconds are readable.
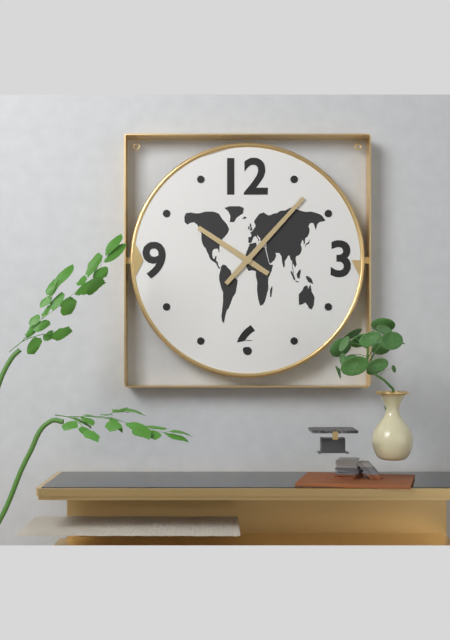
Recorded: h=10 m=7
